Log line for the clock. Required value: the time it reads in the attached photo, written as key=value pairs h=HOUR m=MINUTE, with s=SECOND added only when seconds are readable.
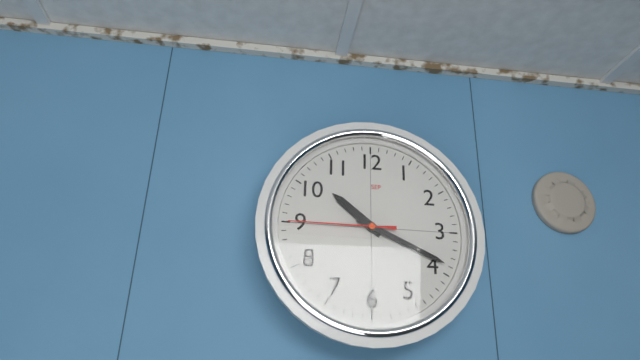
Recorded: h=10 m=19 s=45
